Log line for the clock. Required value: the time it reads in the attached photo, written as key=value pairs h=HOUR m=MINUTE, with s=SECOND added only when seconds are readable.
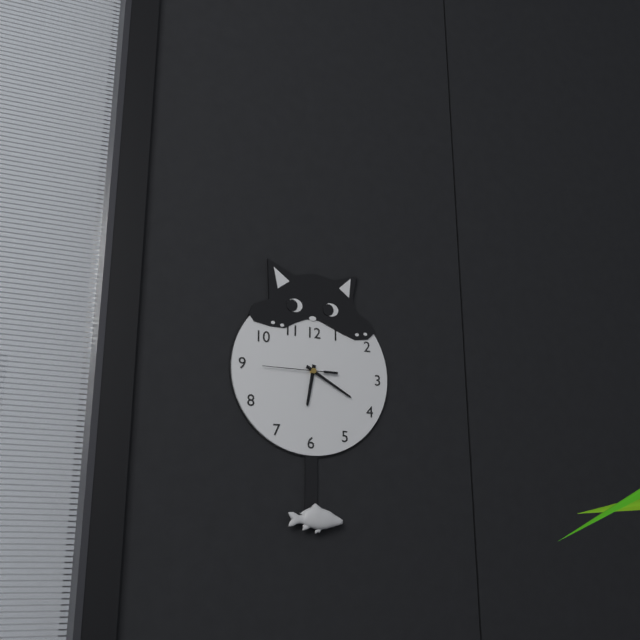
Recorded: h=6 m=20 s=45
